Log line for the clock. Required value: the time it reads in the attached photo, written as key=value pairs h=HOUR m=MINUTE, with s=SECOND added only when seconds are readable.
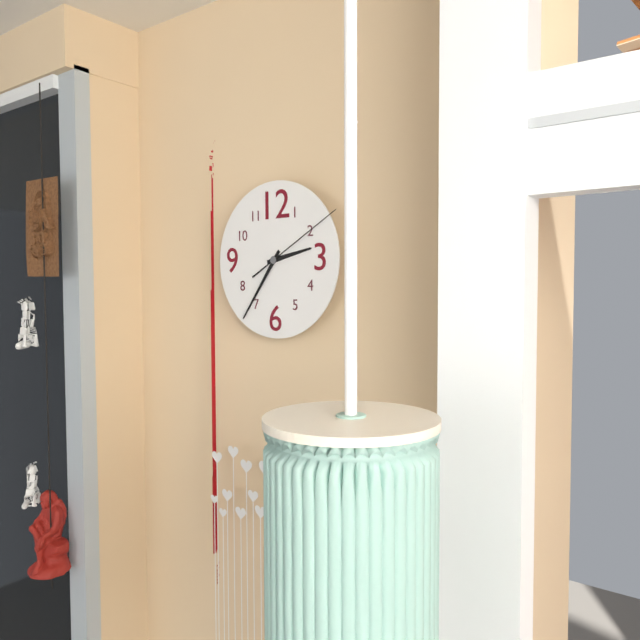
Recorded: h=2 m=36 s=10
